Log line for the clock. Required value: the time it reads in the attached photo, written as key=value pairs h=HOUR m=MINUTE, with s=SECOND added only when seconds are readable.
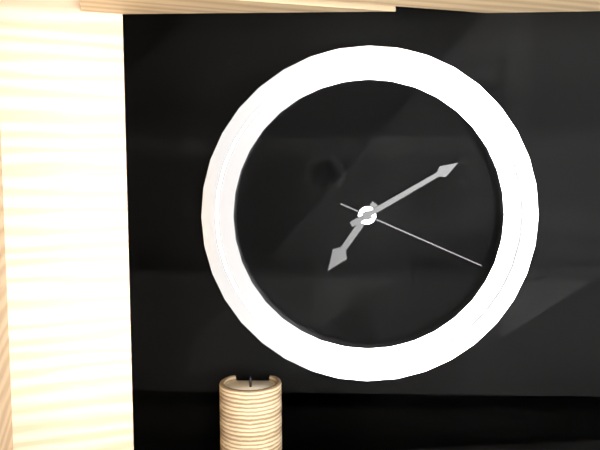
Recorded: h=7 m=10 s=19
